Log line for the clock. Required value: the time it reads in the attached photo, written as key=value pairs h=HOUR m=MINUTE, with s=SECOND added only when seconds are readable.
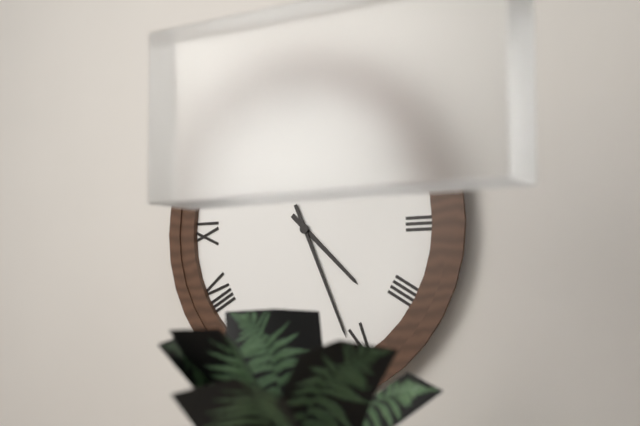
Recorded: h=4 m=26
